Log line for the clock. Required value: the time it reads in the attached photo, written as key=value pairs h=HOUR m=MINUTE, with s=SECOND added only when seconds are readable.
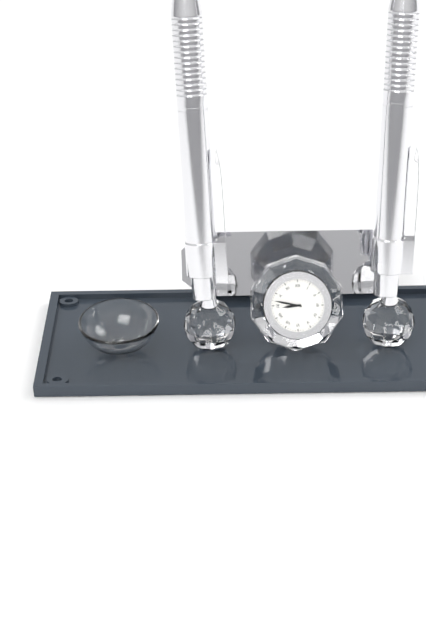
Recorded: h=8 m=47
